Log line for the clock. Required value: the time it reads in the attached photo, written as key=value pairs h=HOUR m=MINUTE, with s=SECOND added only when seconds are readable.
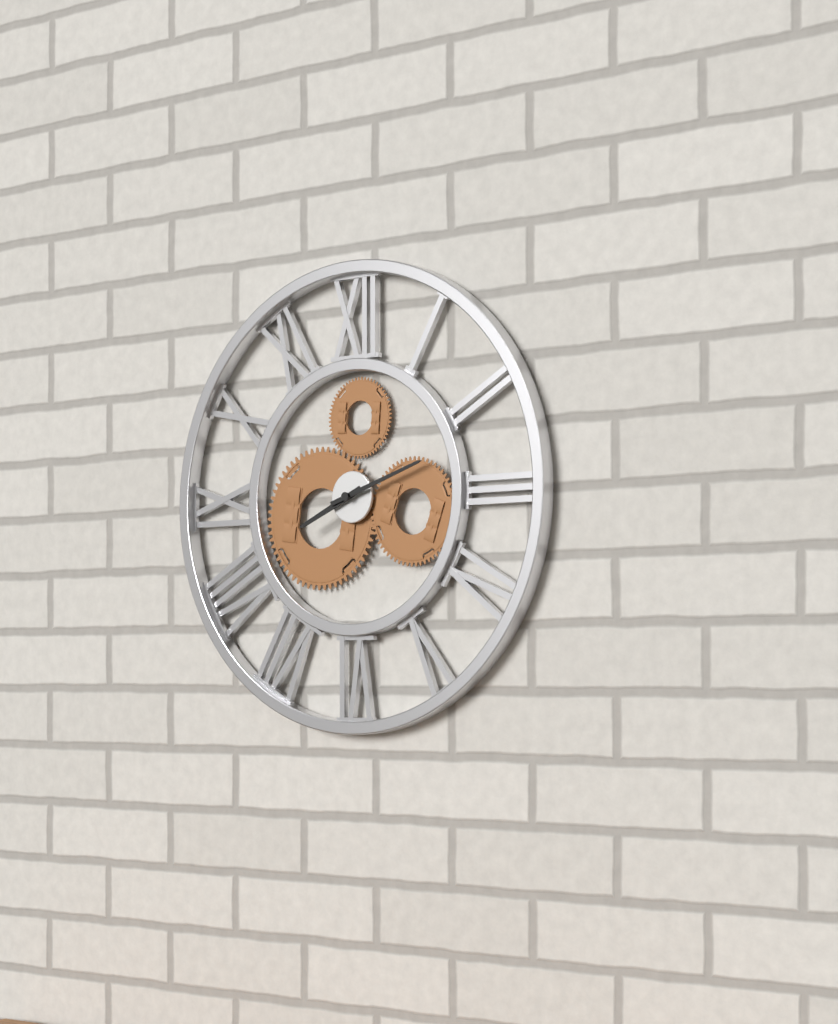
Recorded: h=8 m=12
